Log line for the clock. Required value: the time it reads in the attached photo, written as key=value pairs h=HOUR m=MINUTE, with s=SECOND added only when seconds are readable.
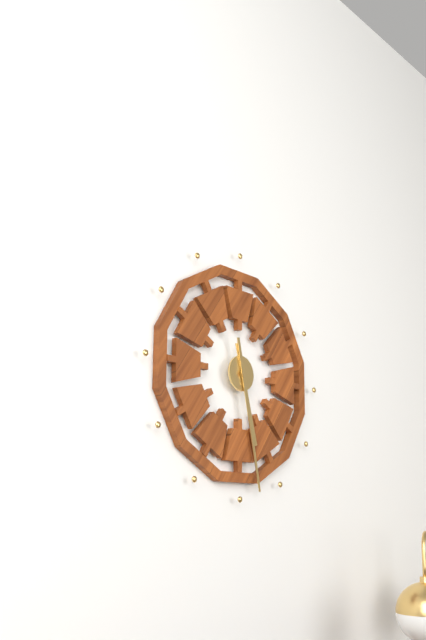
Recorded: h=5 m=28
